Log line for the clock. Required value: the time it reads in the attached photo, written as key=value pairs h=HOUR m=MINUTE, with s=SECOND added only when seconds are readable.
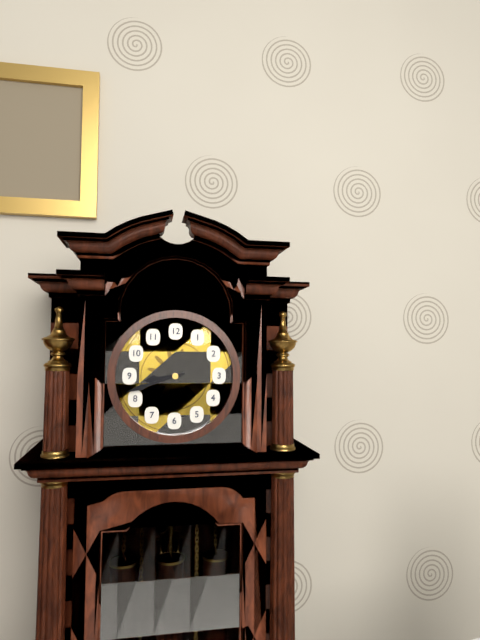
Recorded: h=8 m=42
